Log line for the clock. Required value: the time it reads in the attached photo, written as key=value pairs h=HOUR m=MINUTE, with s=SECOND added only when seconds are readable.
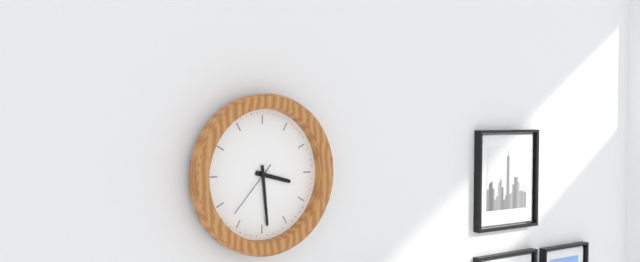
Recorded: h=3 m=29 s=37
